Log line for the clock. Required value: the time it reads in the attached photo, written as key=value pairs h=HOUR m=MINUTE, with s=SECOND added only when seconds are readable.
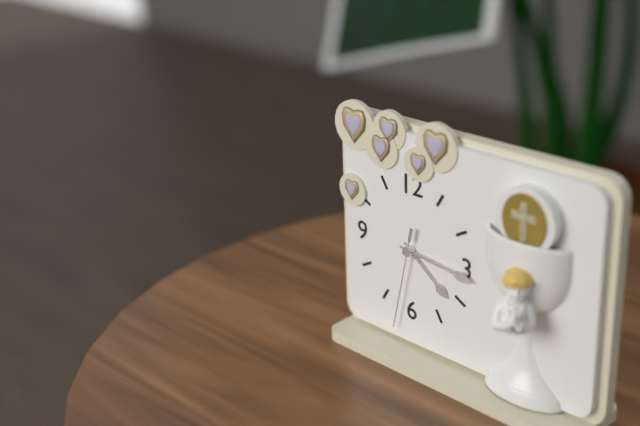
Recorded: h=4 m=16 s=32
